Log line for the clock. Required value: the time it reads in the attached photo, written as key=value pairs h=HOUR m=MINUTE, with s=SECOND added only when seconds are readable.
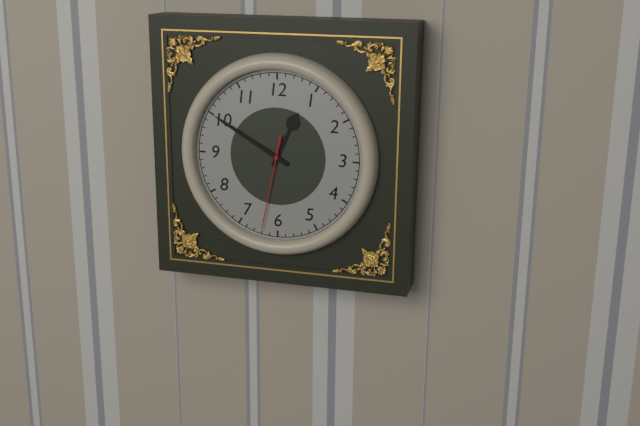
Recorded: h=12 m=50 s=32
